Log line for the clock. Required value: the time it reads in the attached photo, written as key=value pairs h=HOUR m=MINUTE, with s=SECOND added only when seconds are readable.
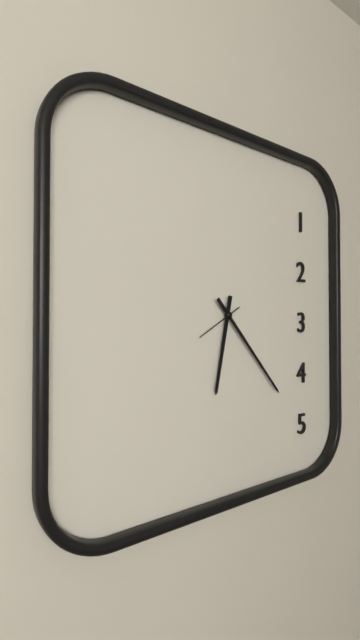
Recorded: h=6 m=23
